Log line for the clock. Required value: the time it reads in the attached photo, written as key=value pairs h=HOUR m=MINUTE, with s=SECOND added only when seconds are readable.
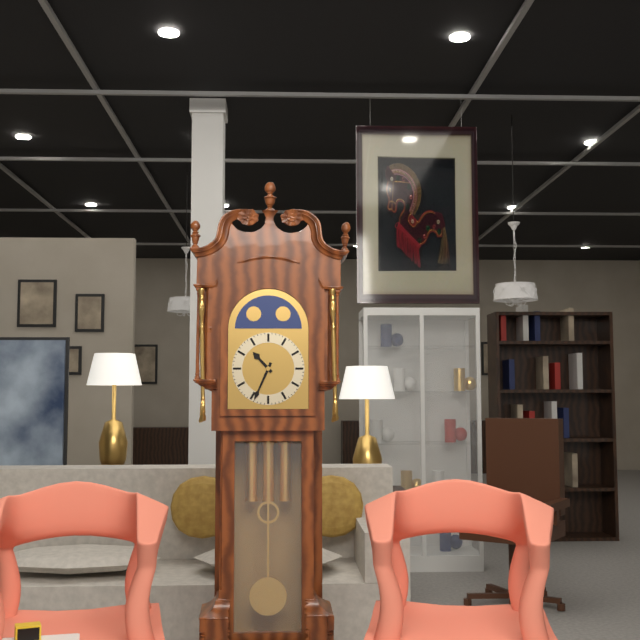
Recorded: h=10 m=34
